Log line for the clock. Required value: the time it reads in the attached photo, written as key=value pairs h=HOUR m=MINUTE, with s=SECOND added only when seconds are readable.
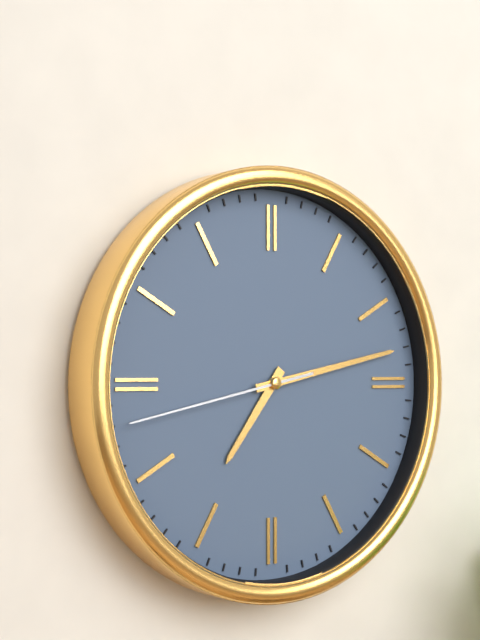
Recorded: h=7 m=13 s=43
